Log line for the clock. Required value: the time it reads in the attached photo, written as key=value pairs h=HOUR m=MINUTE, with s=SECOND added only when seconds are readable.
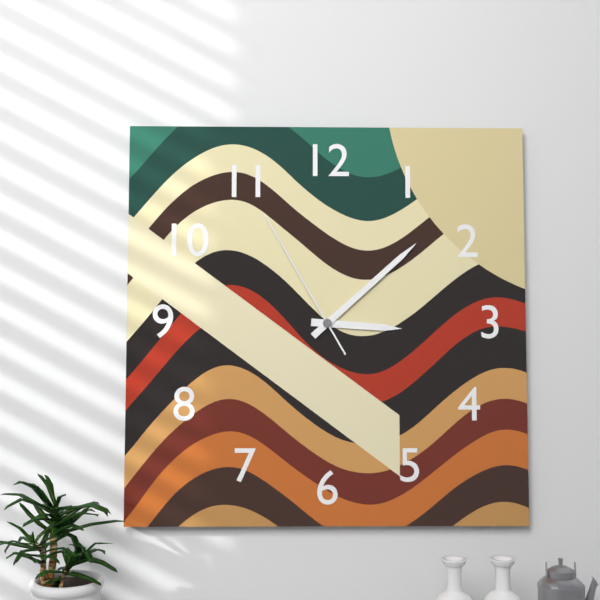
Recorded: h=3 m=8 s=55
